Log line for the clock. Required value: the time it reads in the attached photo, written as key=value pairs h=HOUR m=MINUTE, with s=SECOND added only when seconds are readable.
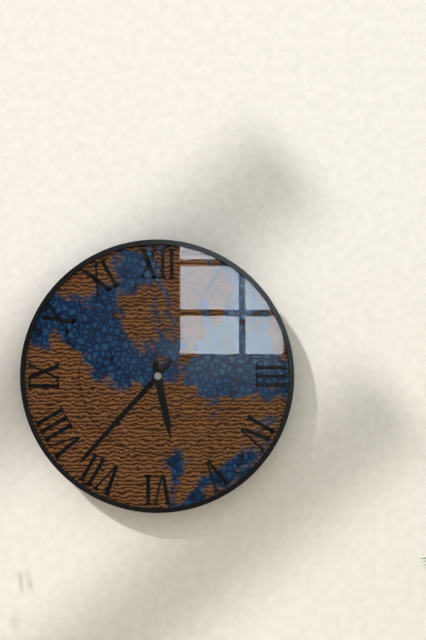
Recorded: h=5 m=37
